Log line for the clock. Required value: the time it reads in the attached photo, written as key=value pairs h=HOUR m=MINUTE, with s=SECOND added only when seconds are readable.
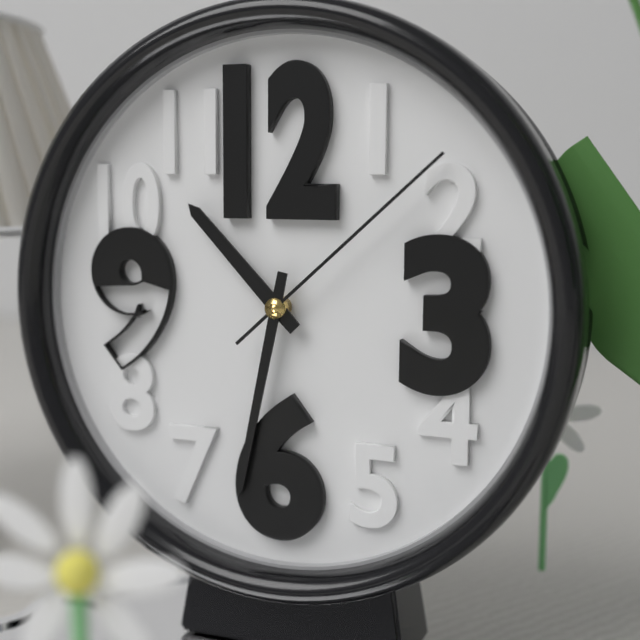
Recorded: h=10 m=32 s=8
